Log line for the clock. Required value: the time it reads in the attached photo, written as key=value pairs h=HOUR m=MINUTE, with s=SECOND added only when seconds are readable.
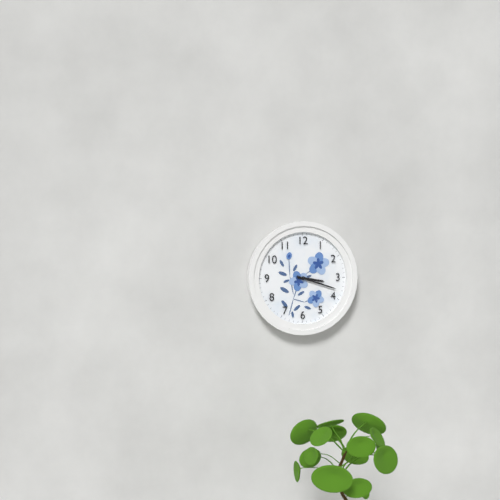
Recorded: h=3 m=18
